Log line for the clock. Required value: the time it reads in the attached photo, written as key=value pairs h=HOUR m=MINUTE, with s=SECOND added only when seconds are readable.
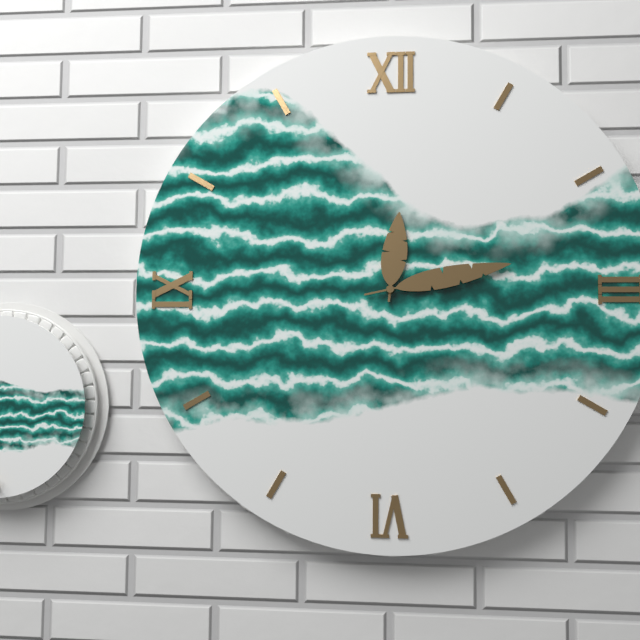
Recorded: h=12 m=13
